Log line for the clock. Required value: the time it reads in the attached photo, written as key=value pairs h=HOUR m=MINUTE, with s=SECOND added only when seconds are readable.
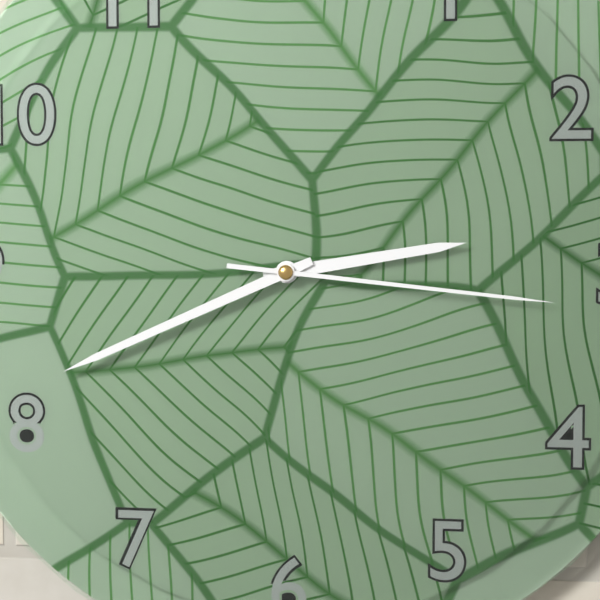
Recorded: h=2 m=41 s=16
